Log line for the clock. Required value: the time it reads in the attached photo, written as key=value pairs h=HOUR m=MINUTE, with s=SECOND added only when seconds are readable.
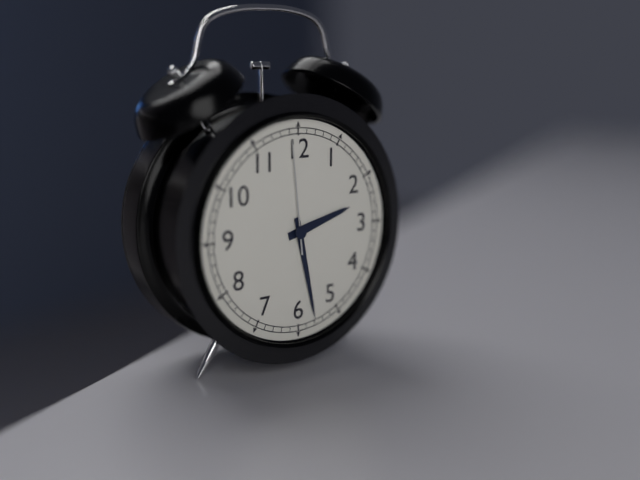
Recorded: h=2 m=28 s=59
